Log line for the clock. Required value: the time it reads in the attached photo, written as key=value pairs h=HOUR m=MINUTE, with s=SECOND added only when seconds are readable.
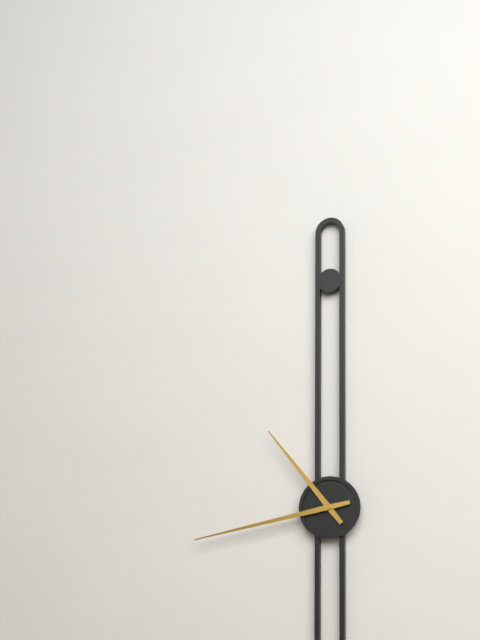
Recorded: h=10 m=43
